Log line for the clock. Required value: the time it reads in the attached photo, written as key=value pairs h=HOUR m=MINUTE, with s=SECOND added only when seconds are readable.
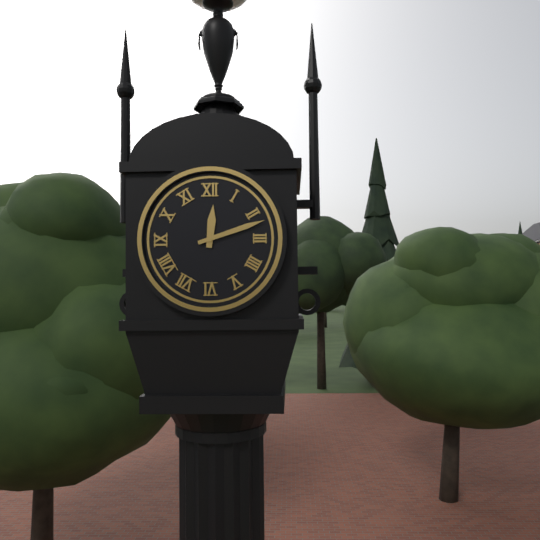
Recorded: h=12 m=12
